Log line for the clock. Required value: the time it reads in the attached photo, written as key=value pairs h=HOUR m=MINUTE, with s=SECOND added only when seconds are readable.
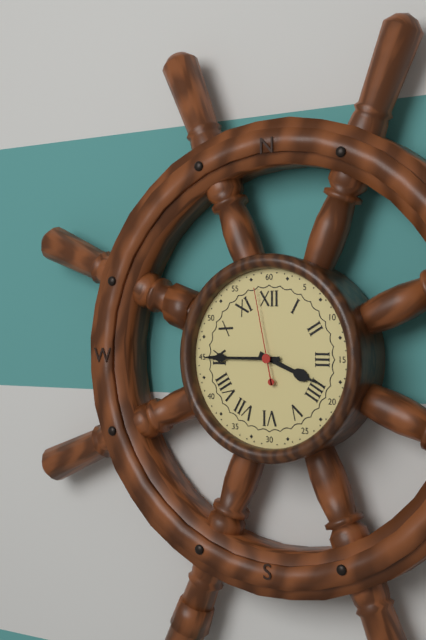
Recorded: h=3 m=45 s=58
